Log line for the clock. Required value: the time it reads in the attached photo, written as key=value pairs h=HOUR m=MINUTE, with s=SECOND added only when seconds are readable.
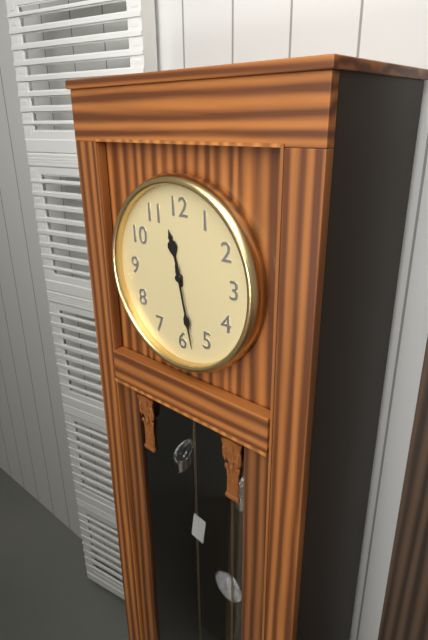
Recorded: h=11 m=28
